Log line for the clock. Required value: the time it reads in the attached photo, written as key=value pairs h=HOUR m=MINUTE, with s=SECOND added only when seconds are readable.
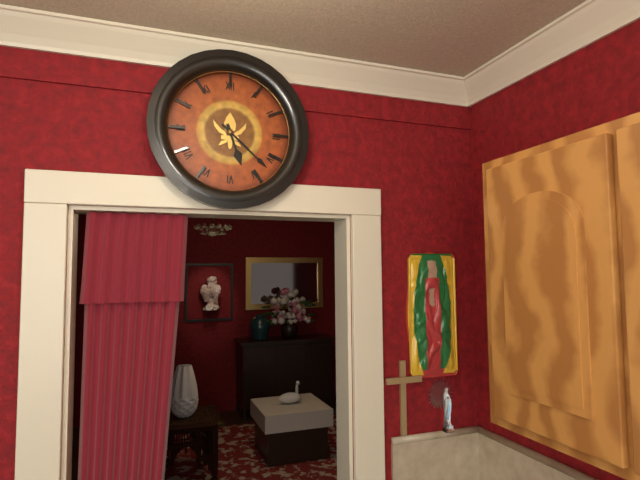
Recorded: h=5 m=22
